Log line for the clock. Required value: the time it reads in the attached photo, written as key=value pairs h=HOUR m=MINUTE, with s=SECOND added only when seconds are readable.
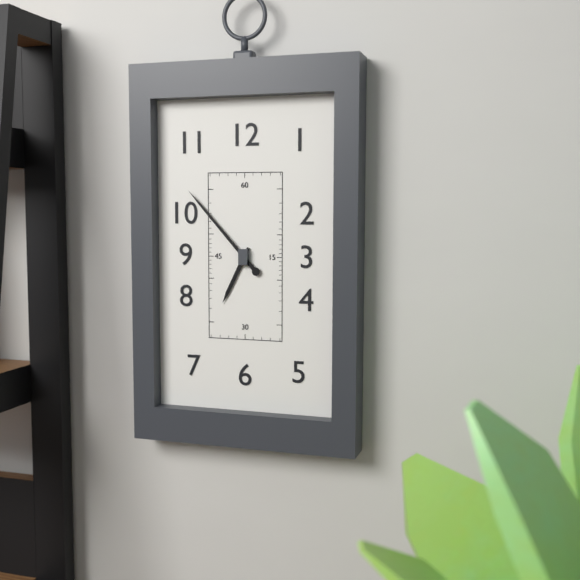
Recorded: h=6 m=53
